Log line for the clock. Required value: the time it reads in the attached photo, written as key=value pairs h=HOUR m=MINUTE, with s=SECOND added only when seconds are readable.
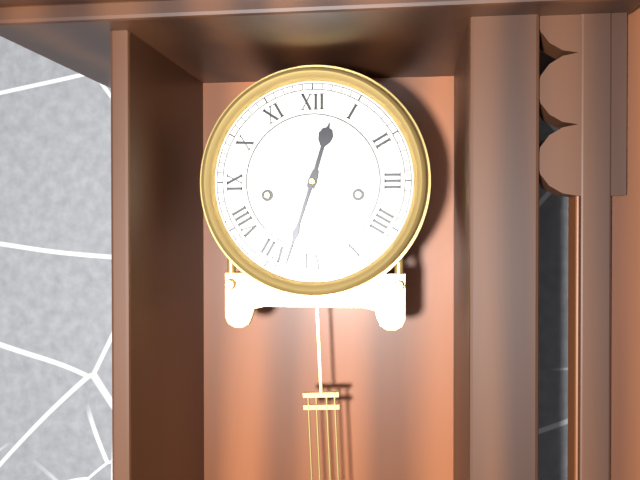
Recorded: h=12 m=33
